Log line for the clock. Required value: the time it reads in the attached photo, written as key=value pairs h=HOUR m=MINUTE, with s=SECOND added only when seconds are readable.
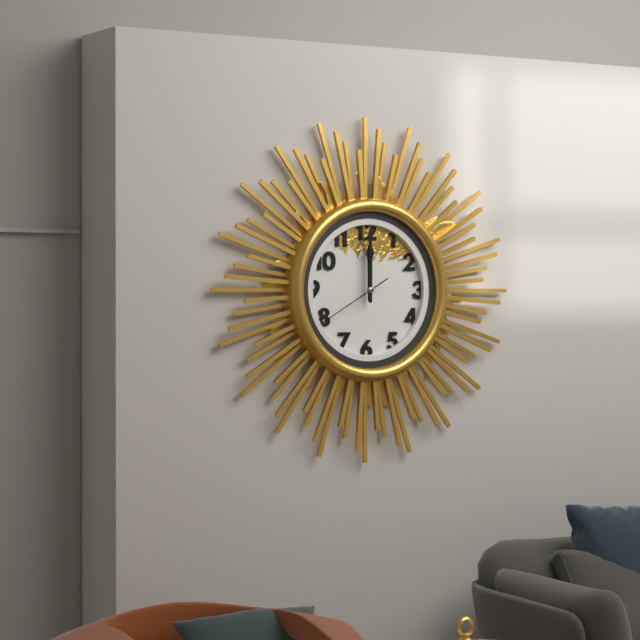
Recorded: h=12 m=0 s=40
